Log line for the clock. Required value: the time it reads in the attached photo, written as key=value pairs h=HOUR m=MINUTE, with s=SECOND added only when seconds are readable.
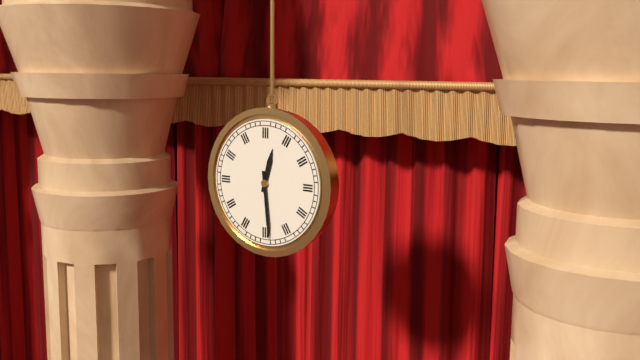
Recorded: h=12 m=29
